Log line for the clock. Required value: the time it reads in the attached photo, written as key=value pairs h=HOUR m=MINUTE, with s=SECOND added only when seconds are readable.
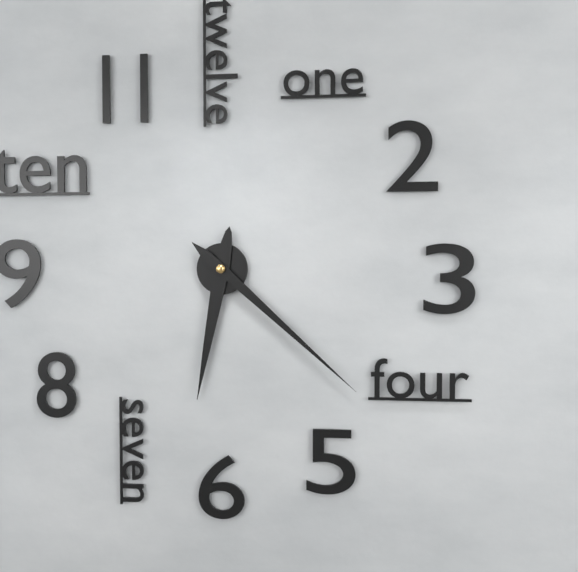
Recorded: h=6 m=22
